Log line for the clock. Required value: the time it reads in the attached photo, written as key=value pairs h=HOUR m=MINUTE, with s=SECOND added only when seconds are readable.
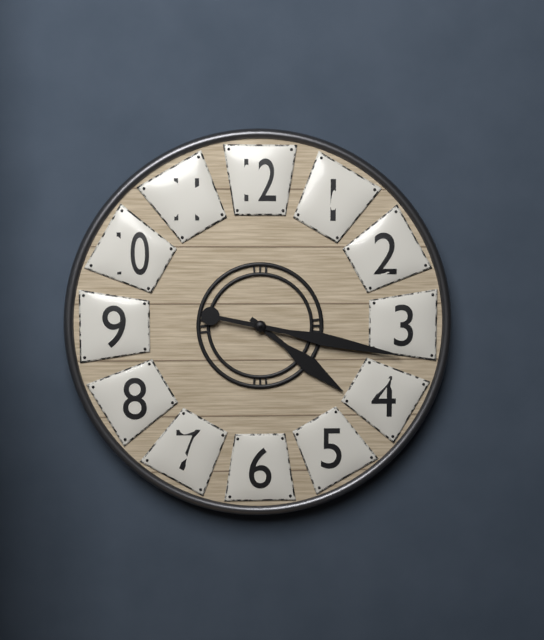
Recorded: h=4 m=17
